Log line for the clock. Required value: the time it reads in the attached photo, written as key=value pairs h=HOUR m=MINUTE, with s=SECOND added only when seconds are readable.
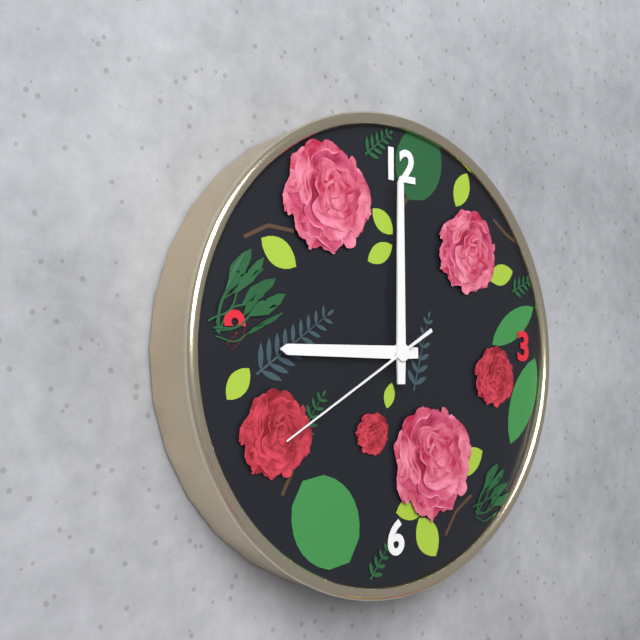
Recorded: h=9 m=0 s=40
